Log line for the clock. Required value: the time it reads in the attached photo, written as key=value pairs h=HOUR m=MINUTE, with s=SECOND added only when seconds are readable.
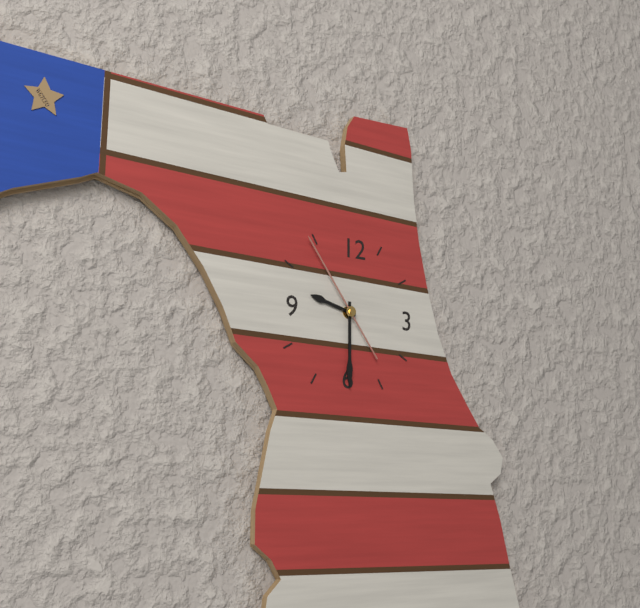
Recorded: h=9 m=30 s=54
